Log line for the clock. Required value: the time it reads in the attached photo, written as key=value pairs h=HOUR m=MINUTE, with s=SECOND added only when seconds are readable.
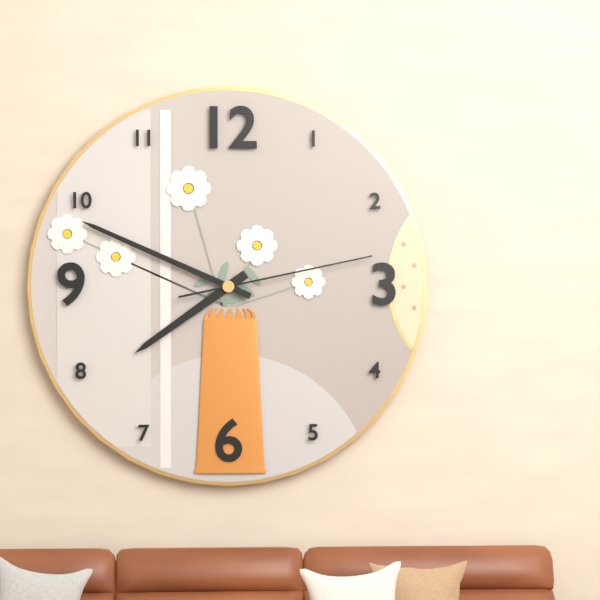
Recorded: h=7 m=49 s=13
